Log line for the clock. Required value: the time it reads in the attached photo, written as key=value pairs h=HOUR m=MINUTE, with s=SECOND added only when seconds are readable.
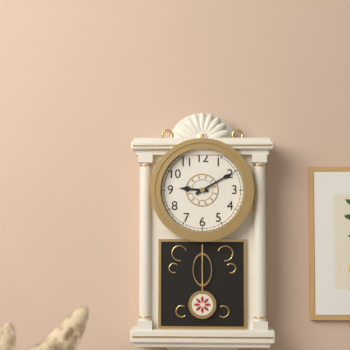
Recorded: h=9 m=10
